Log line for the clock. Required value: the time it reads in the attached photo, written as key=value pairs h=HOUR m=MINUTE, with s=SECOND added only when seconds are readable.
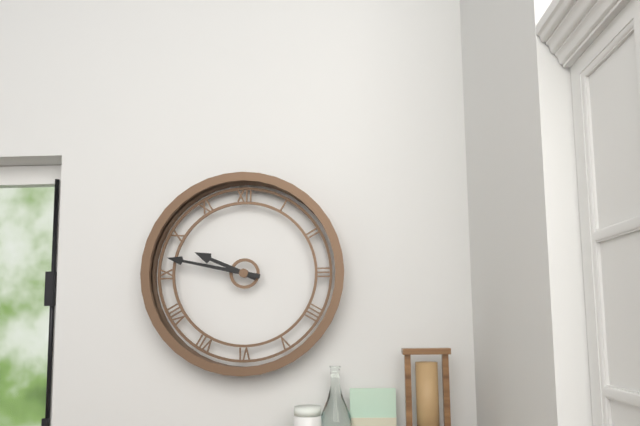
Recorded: h=9 m=47
